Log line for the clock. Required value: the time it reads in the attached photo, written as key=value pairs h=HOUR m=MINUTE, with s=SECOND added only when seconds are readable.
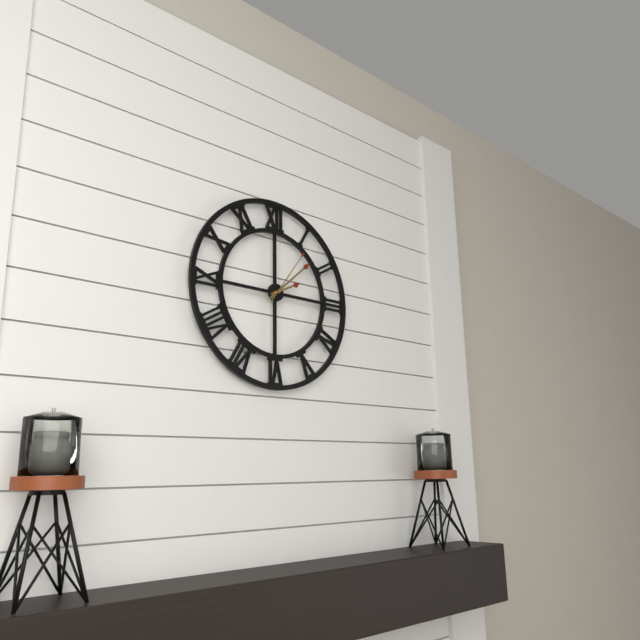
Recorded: h=2 m=8 s=6
